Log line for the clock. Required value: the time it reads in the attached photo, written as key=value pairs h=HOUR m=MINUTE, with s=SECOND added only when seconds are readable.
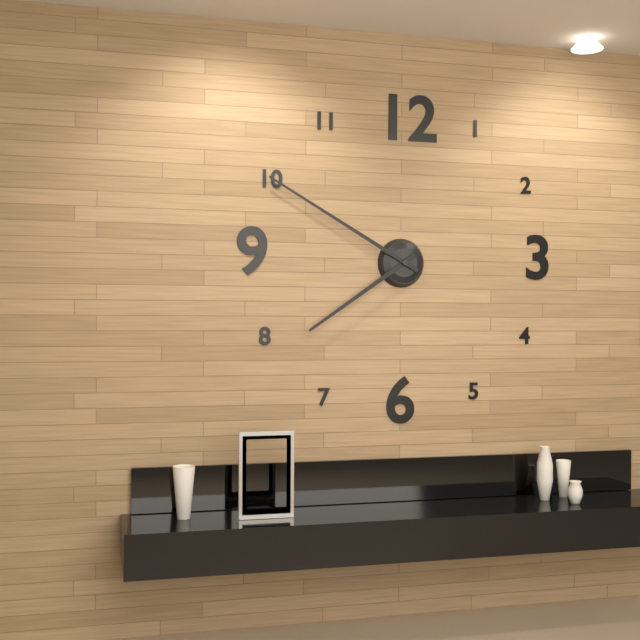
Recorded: h=7 m=50
